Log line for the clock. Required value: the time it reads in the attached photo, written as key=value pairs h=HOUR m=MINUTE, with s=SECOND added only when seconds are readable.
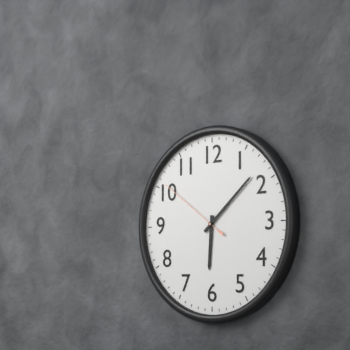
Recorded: h=6 m=8 s=51
